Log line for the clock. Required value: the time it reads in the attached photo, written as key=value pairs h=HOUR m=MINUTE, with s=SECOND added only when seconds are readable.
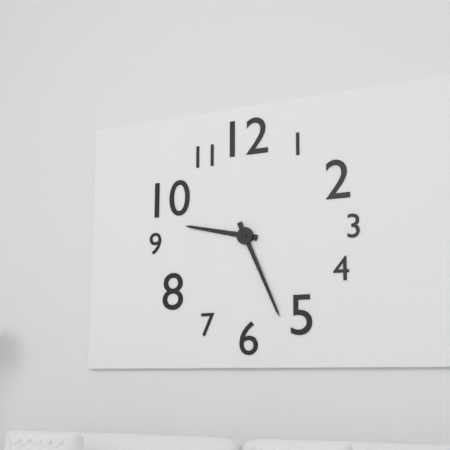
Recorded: h=9 m=26
